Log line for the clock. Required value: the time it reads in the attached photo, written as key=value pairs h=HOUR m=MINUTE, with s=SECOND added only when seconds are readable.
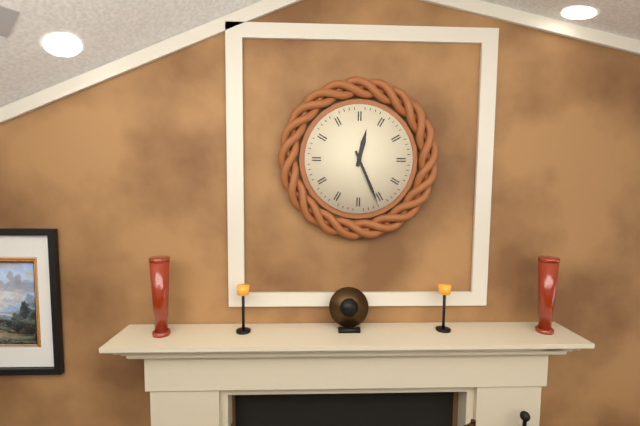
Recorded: h=12 m=26
